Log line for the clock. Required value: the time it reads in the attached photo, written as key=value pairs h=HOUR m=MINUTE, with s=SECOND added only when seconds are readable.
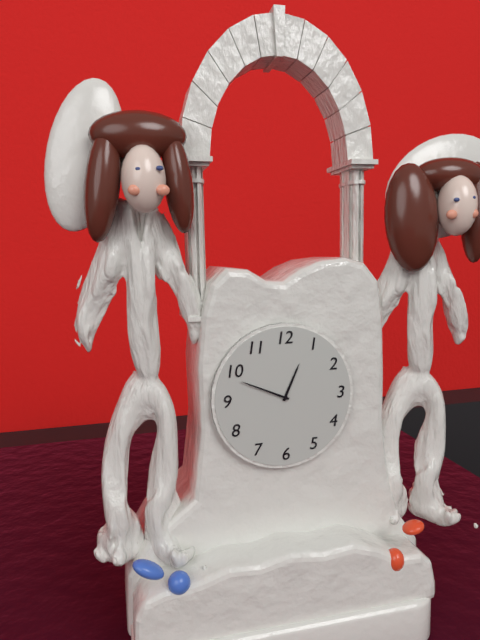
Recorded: h=12 m=49
